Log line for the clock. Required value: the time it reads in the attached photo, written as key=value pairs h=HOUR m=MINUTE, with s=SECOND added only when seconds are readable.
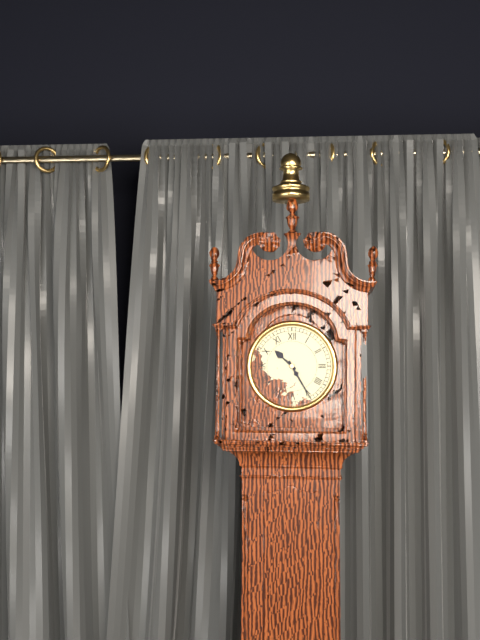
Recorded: h=10 m=25
